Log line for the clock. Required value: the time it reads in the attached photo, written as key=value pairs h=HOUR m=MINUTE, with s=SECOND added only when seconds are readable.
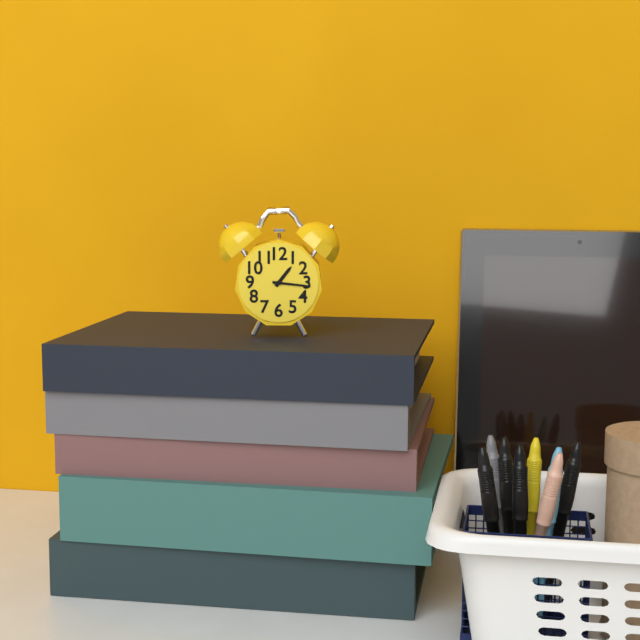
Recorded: h=1 m=16
